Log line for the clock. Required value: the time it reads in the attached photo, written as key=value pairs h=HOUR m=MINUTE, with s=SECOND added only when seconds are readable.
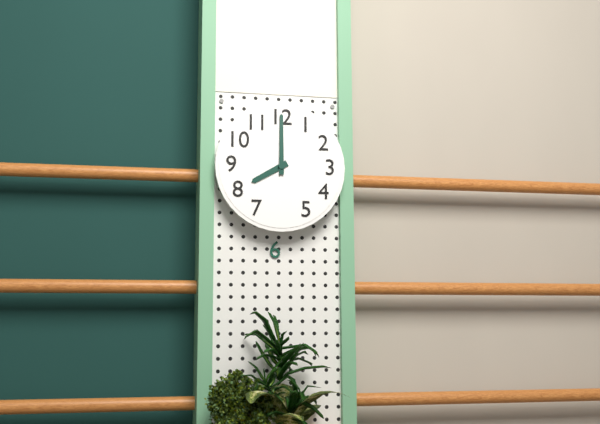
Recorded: h=8 m=0
